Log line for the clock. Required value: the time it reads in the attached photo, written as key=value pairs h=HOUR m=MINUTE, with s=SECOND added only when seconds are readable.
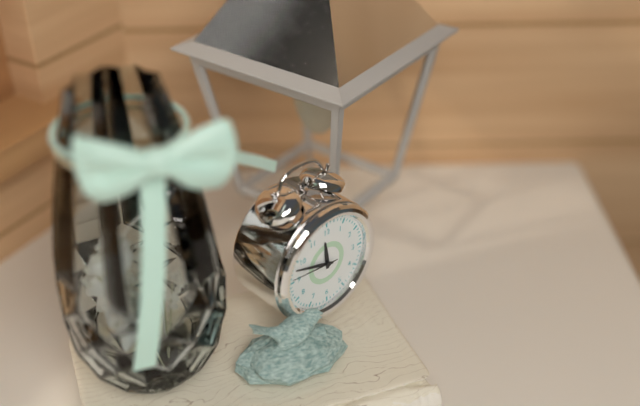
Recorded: h=11 m=48
